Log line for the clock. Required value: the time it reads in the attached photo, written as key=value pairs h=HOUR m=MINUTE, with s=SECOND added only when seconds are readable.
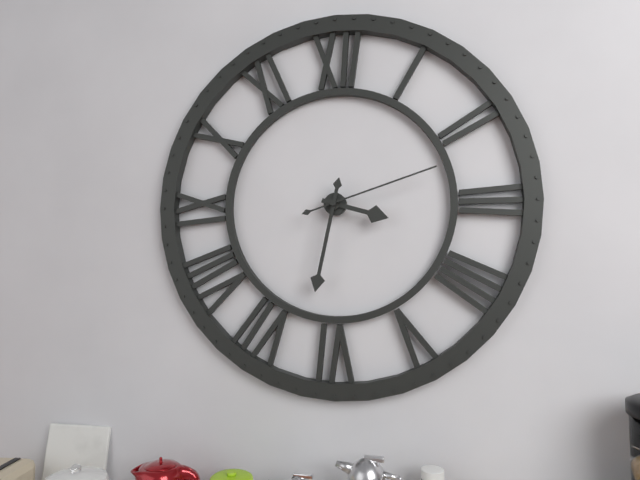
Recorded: h=3 m=32 s=12
